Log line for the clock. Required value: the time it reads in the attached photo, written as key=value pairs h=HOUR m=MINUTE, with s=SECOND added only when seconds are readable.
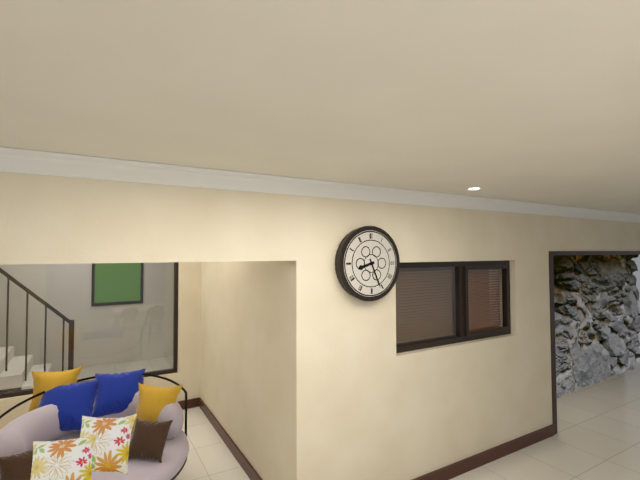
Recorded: h=8 m=26
